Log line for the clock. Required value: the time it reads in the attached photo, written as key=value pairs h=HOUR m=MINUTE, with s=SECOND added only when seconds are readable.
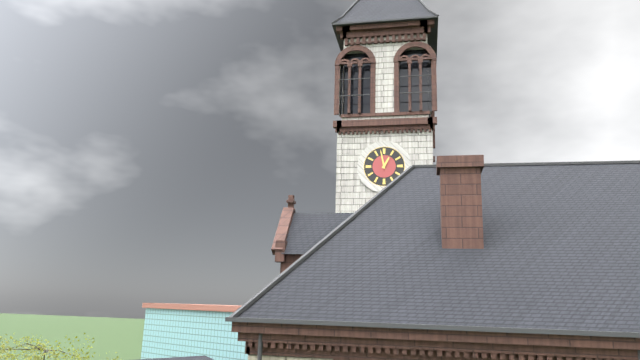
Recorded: h=12 m=58
